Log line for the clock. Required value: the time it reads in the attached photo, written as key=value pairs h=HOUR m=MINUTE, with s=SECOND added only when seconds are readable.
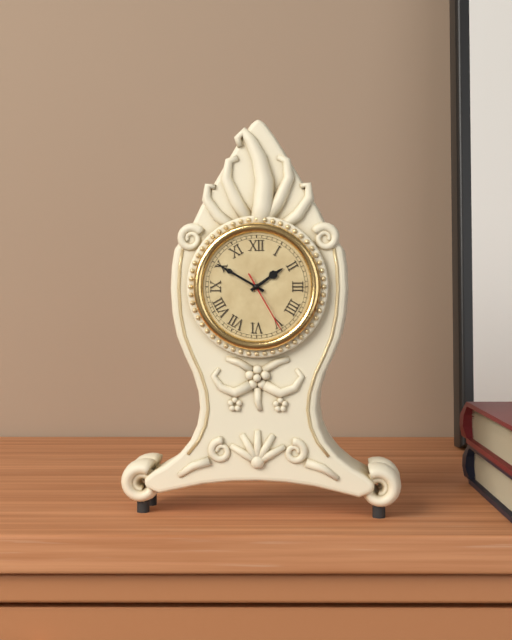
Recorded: h=1 m=50 s=25
